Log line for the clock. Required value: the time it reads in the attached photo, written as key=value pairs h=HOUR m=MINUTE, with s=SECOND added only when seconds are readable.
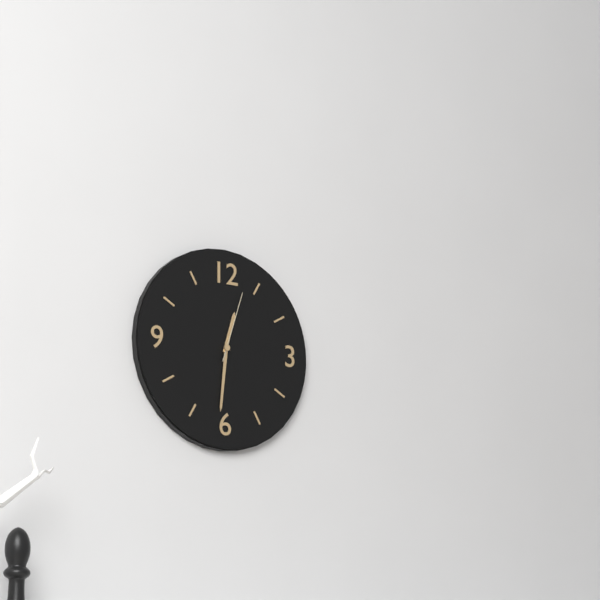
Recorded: h=12 m=31 s=3
